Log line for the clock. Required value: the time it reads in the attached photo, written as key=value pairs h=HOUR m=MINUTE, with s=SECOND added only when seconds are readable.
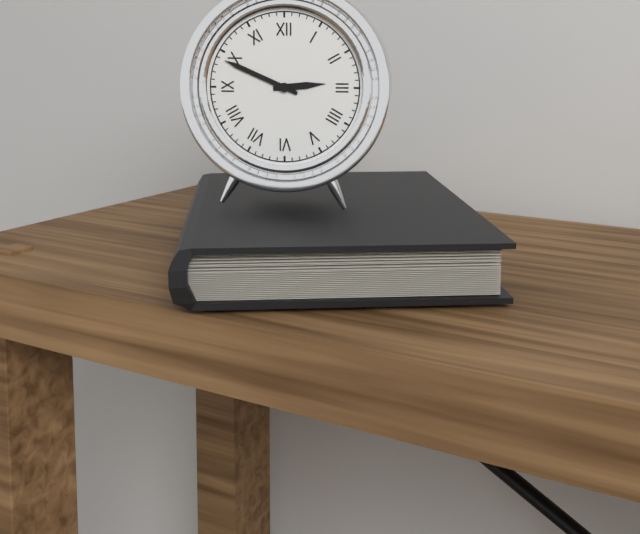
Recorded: h=2 m=49
